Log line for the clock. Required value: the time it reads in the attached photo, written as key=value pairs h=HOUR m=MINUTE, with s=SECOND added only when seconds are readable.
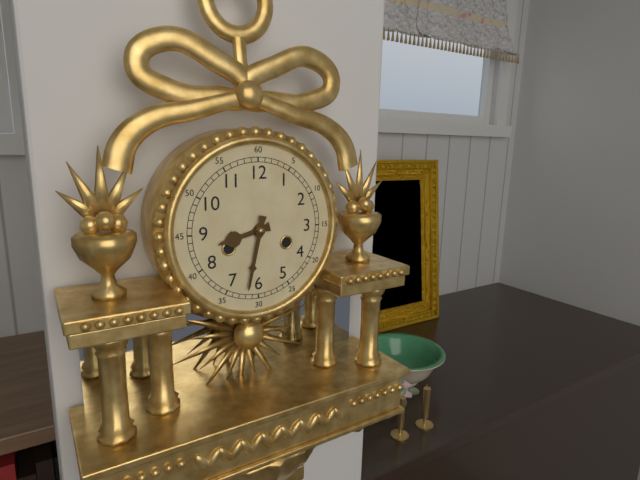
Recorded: h=8 m=32
